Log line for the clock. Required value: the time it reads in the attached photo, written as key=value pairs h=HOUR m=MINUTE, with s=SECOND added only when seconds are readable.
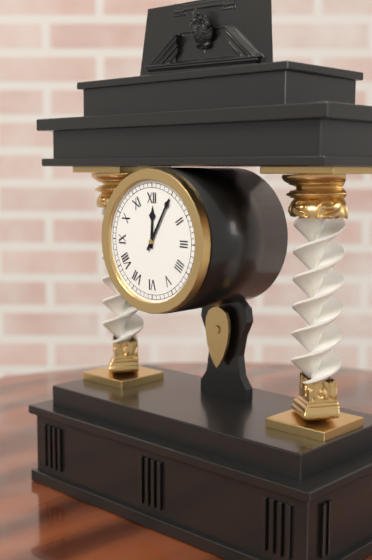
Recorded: h=12 m=5
